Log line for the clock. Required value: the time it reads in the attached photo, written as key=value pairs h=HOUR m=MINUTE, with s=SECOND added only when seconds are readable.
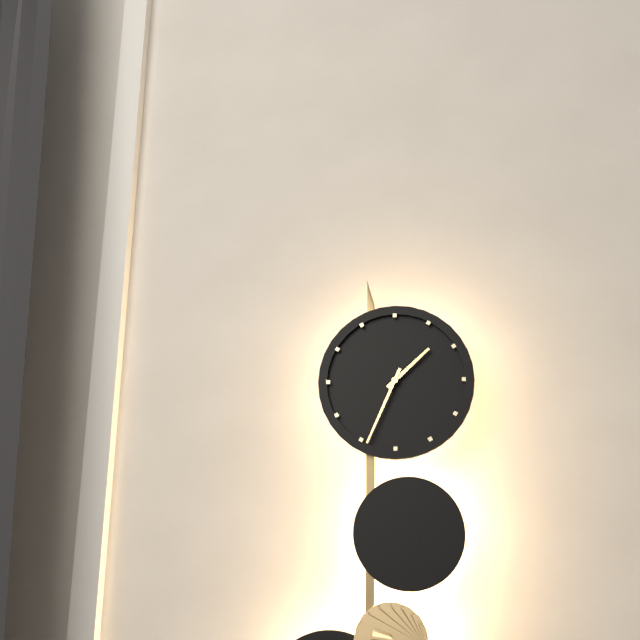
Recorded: h=1 m=34
